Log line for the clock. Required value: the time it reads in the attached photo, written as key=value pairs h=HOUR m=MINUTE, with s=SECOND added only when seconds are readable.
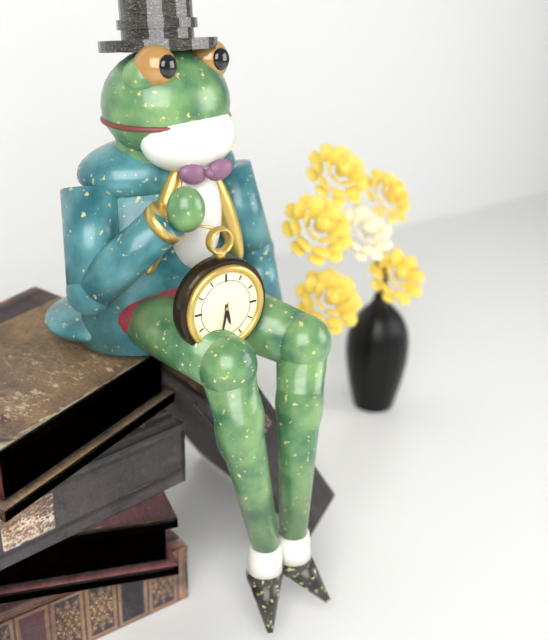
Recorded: h=5 m=32
